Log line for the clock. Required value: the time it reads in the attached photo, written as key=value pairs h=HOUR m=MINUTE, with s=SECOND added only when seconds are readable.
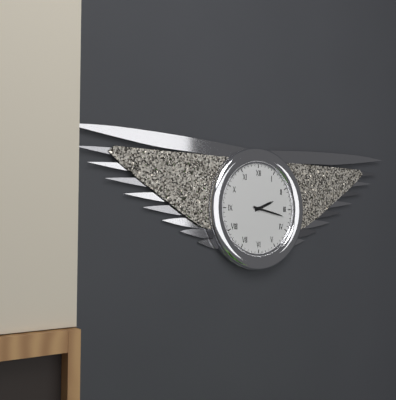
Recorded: h=2 m=17
